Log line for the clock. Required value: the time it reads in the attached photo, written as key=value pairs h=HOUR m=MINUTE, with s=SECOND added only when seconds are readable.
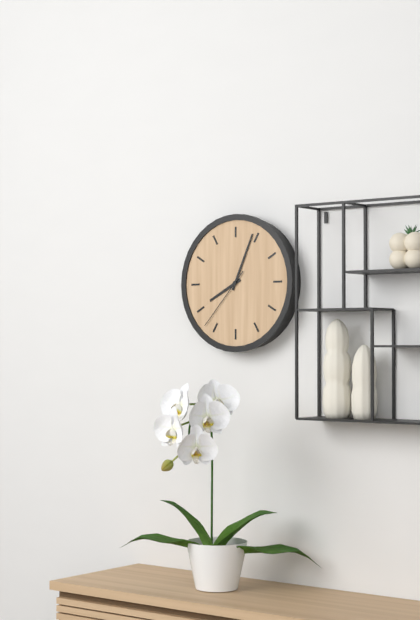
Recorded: h=8 m=4 s=37
